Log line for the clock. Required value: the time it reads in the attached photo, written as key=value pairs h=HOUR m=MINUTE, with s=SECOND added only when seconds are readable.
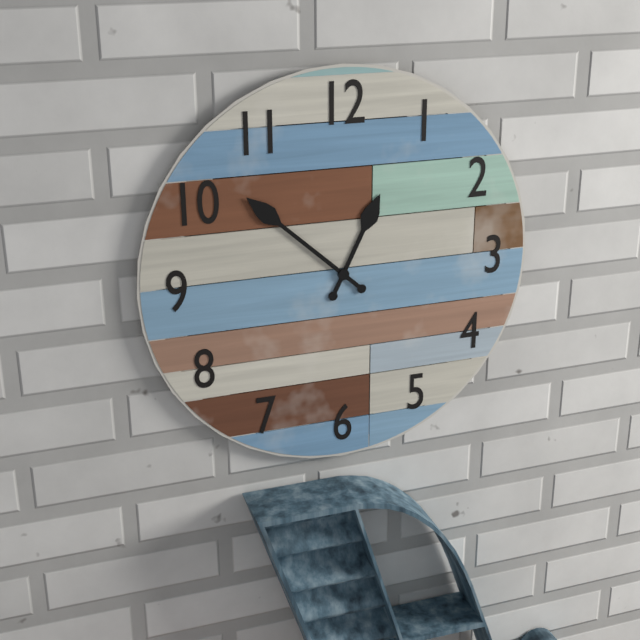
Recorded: h=12 m=52
